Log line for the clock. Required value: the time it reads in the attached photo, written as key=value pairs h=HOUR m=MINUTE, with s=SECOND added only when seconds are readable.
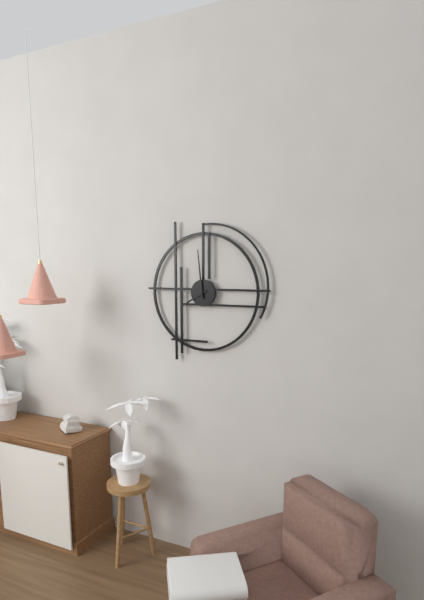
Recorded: h=7 m=59
